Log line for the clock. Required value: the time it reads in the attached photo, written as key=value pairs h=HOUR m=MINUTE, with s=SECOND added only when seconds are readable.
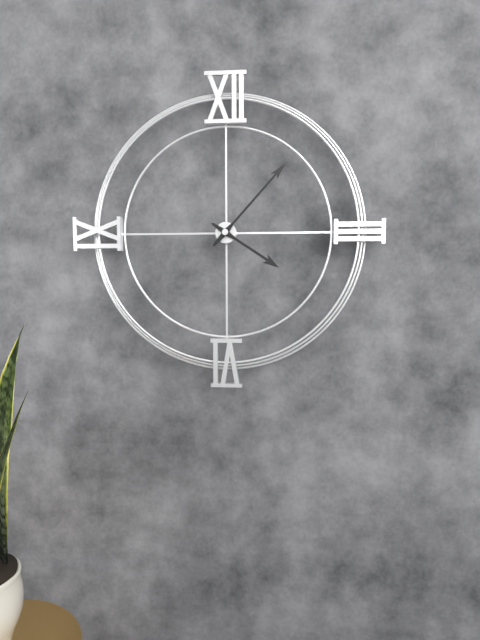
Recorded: h=4 m=7
